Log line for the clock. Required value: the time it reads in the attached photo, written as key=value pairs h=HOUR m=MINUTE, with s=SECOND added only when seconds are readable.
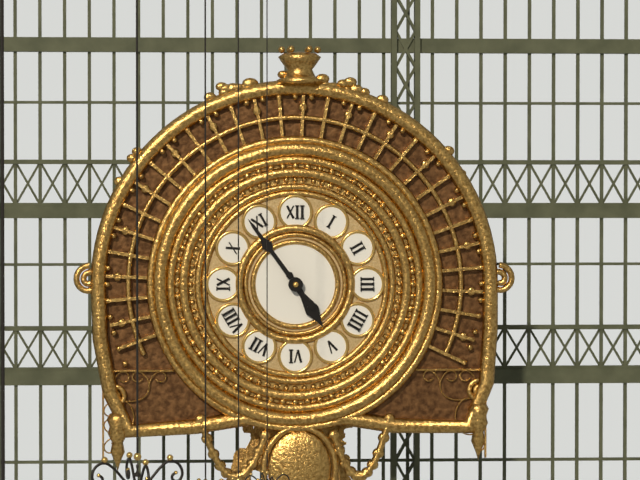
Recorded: h=4 m=54
